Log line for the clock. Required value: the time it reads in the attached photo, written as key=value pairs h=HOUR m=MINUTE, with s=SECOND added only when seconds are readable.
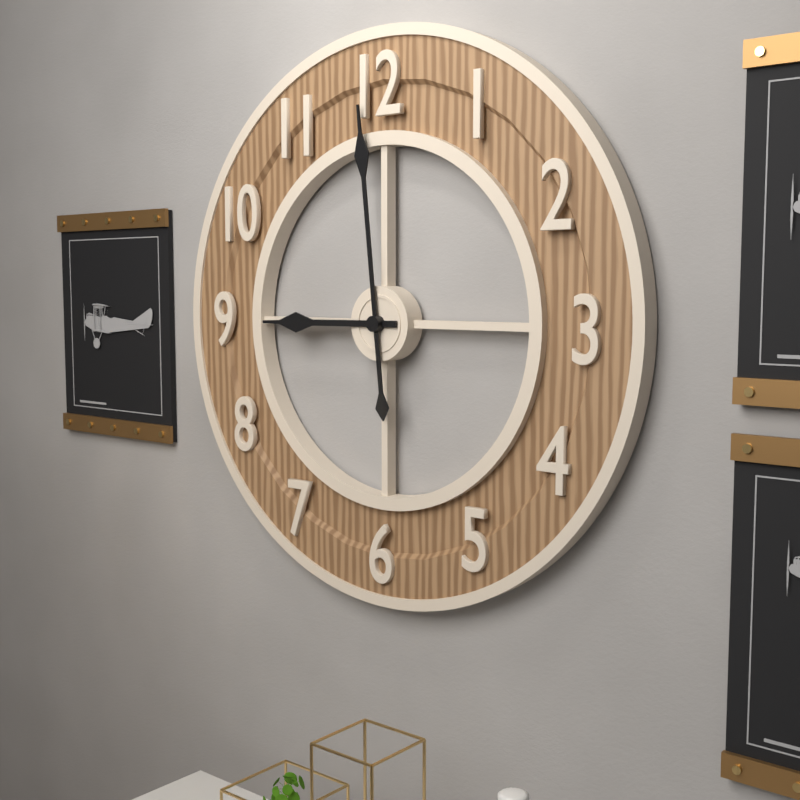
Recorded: h=8 m=59
